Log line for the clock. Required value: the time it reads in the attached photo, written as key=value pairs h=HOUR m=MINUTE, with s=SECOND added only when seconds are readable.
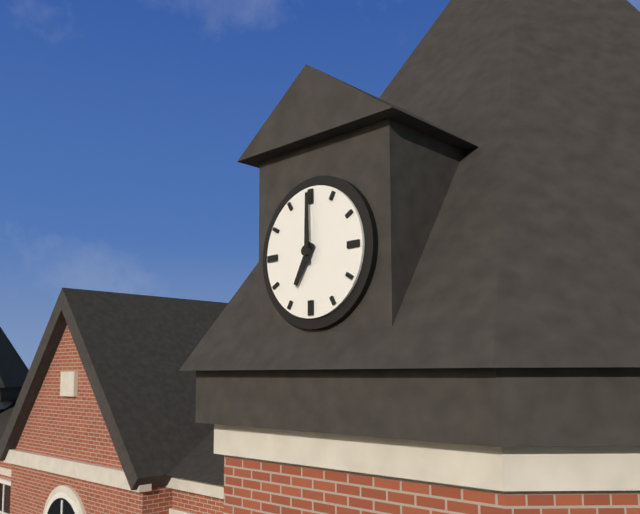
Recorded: h=7 m=0
